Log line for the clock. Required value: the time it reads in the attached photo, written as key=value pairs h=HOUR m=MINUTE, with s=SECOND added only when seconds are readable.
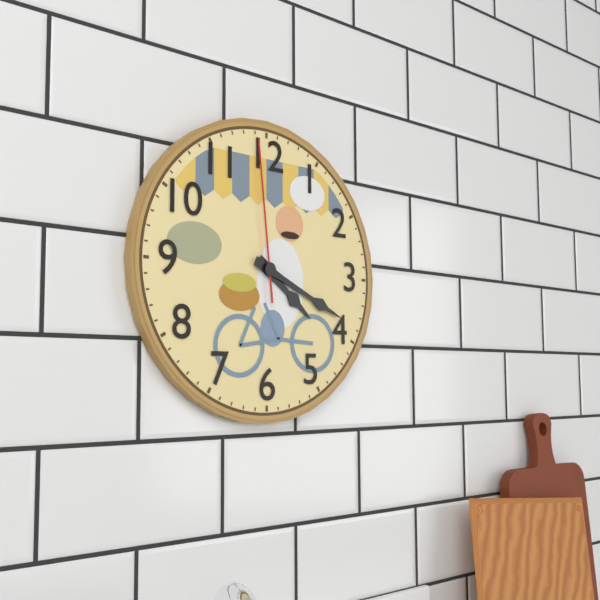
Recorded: h=4 m=19 s=59
